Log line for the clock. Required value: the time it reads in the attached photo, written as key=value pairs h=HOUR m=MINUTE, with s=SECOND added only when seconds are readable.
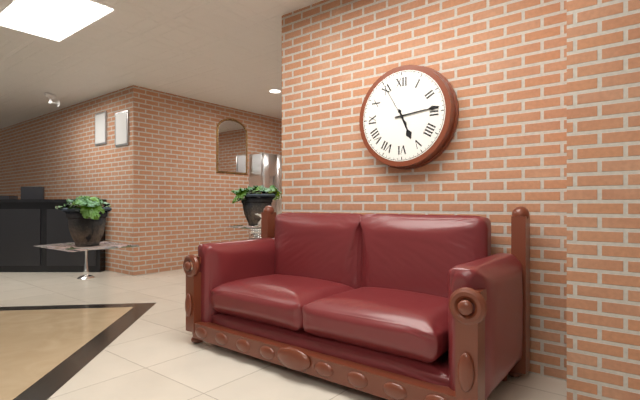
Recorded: h=5 m=14
